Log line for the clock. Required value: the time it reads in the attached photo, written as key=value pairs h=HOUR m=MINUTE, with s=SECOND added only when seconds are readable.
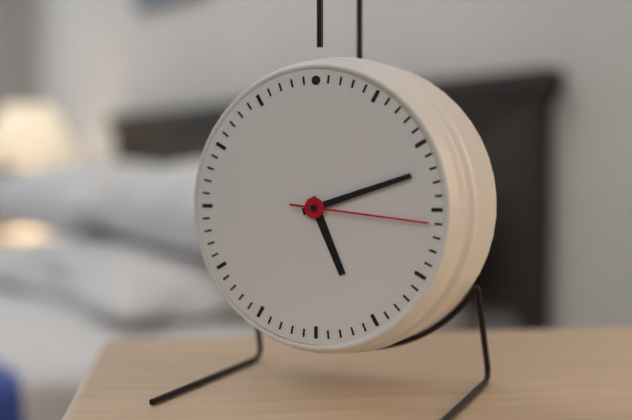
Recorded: h=5 m=12 s=16
